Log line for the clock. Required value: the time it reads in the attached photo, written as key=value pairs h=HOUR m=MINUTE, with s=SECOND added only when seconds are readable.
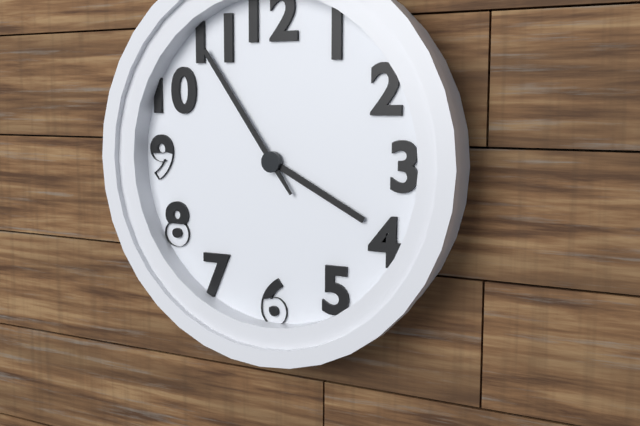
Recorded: h=3 m=54
